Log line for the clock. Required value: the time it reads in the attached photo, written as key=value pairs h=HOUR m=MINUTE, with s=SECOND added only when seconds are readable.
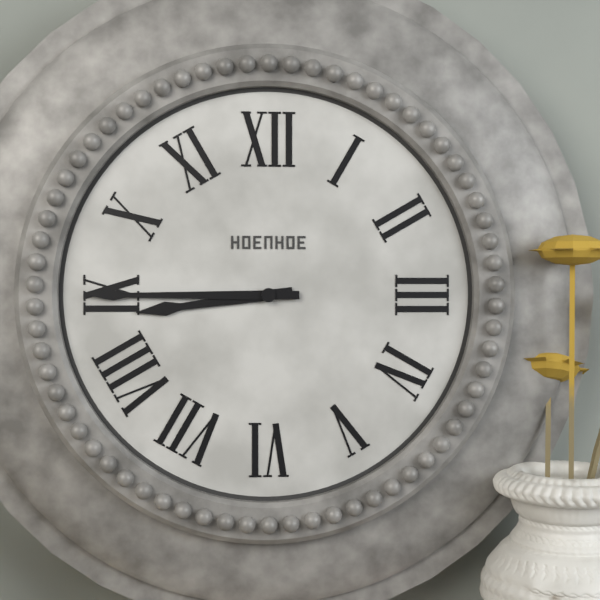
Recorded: h=8 m=45
